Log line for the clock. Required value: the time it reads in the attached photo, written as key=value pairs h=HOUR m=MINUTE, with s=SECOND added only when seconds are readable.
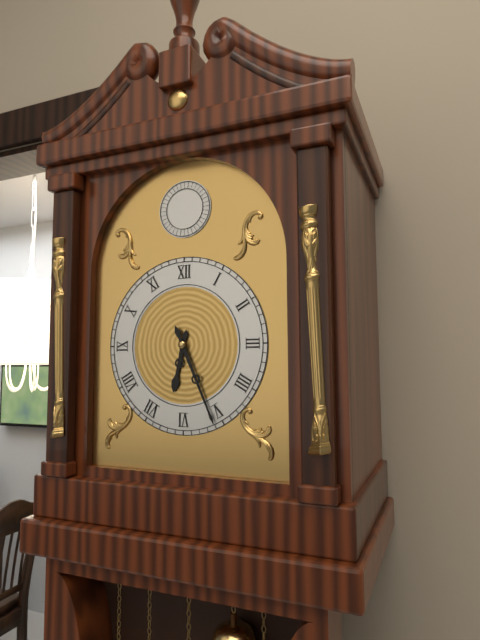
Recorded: h=6 m=26
